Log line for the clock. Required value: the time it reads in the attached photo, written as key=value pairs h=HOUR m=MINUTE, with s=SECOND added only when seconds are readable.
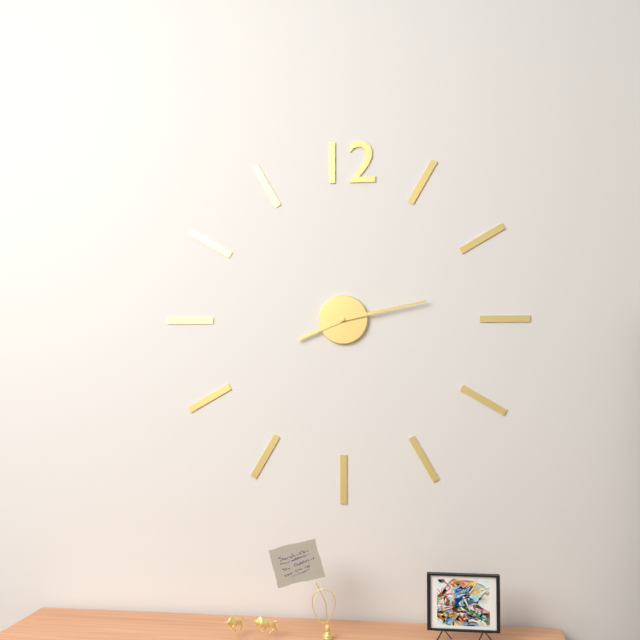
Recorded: h=8 m=13
